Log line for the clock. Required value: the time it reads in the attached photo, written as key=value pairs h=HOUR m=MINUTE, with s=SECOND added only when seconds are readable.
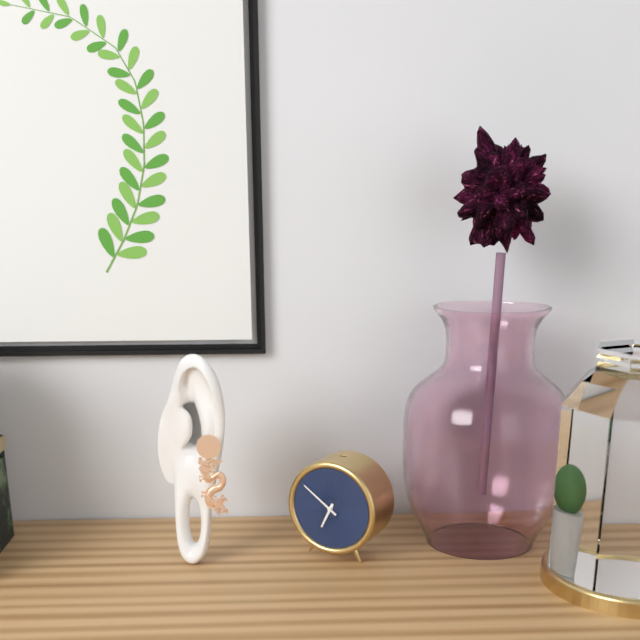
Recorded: h=6 m=51
